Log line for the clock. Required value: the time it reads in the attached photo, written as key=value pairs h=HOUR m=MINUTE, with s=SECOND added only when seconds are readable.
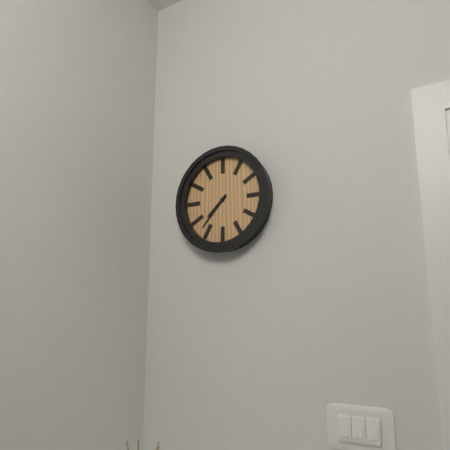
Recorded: h=7 m=37
